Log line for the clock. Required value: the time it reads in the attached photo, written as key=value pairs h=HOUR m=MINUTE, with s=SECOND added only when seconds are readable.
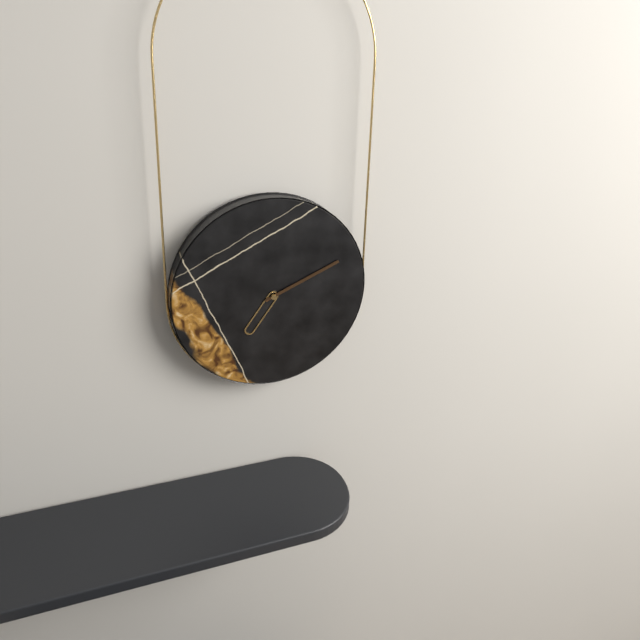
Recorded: h=7 m=11
